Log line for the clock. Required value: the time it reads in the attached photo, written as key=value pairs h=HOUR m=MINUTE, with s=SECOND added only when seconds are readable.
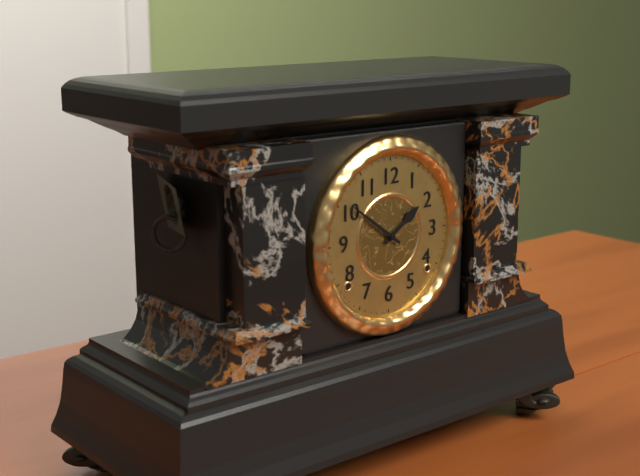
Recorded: h=1 m=51
